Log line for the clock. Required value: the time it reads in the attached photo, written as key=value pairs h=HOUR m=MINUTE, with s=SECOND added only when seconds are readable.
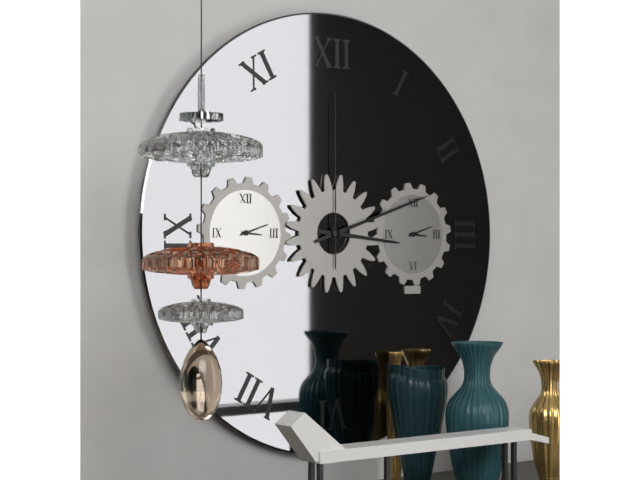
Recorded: h=3 m=12 s=0
